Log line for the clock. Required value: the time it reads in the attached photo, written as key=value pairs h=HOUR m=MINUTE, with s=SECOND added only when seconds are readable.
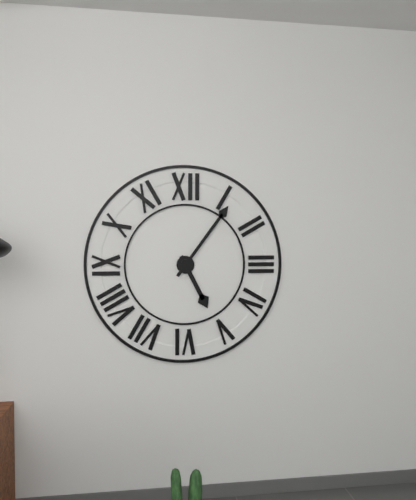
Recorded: h=5 m=6
